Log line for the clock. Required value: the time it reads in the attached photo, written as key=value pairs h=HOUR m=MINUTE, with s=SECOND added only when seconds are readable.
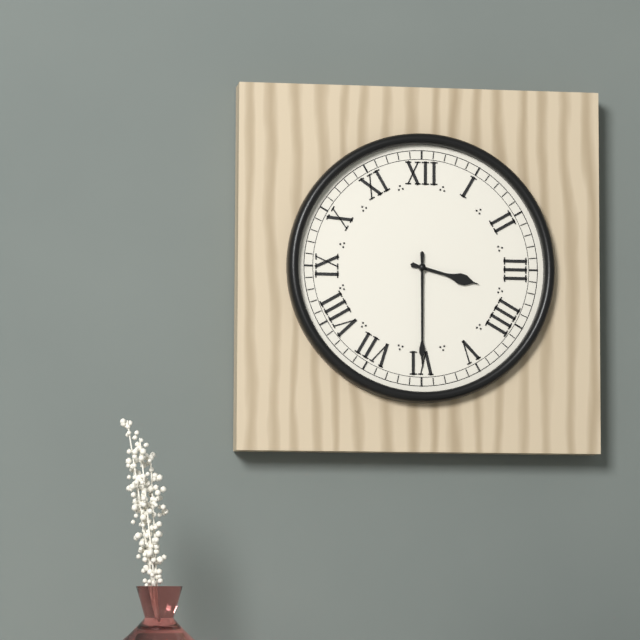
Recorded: h=3 m=30
